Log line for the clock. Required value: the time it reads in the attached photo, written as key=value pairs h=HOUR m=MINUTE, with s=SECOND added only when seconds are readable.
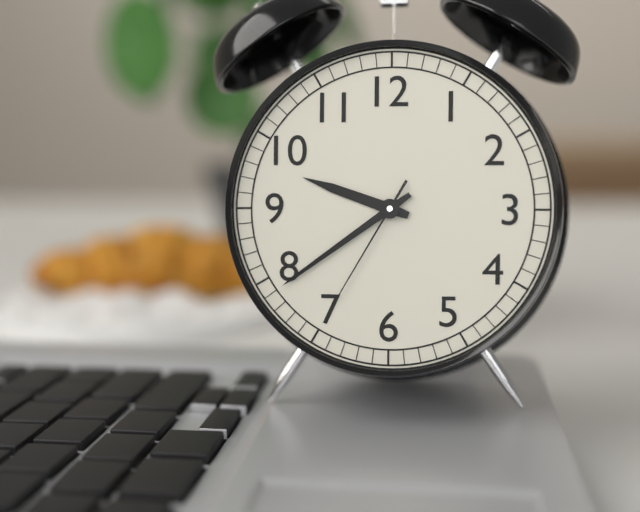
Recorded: h=9 m=39 s=35
